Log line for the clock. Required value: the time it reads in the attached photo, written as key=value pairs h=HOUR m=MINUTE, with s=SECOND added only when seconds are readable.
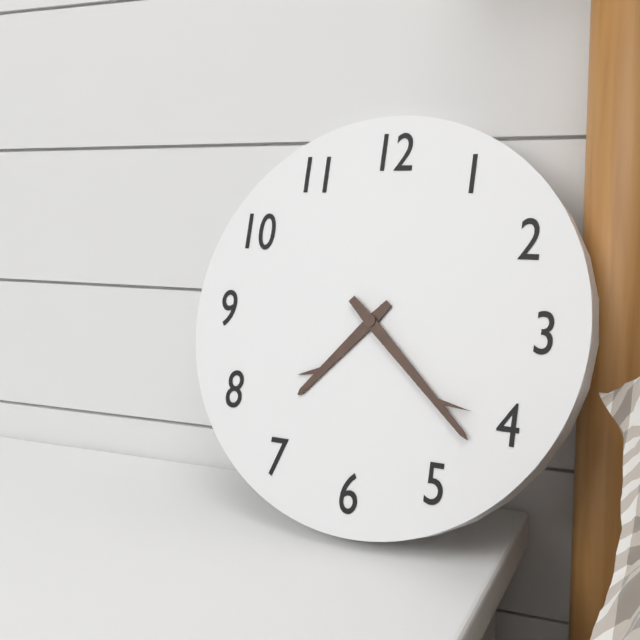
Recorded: h=7 m=22
